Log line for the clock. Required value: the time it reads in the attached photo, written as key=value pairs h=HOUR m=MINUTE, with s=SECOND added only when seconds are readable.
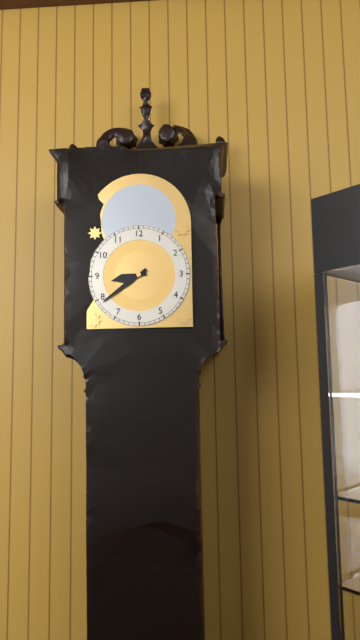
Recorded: h=8 m=39
